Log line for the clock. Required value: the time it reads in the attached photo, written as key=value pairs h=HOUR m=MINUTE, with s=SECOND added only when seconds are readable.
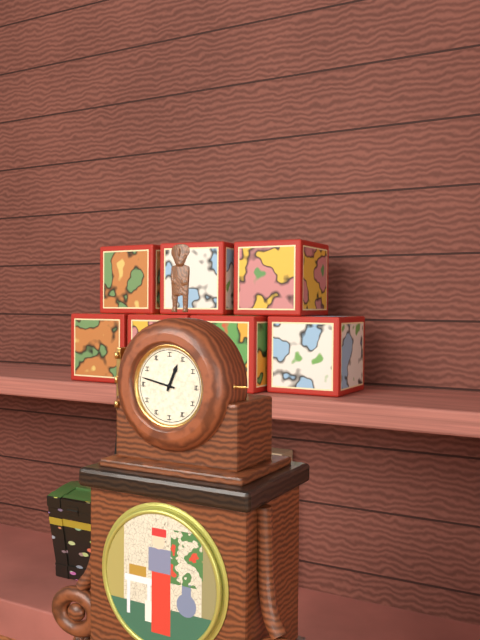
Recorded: h=12 m=47
